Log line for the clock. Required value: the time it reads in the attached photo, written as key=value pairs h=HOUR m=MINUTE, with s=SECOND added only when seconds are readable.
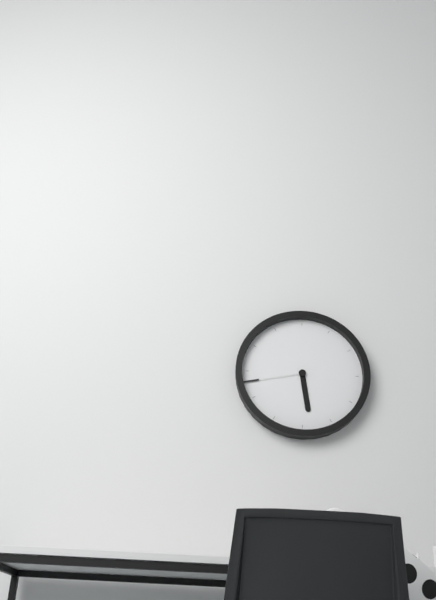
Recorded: h=5 m=43
